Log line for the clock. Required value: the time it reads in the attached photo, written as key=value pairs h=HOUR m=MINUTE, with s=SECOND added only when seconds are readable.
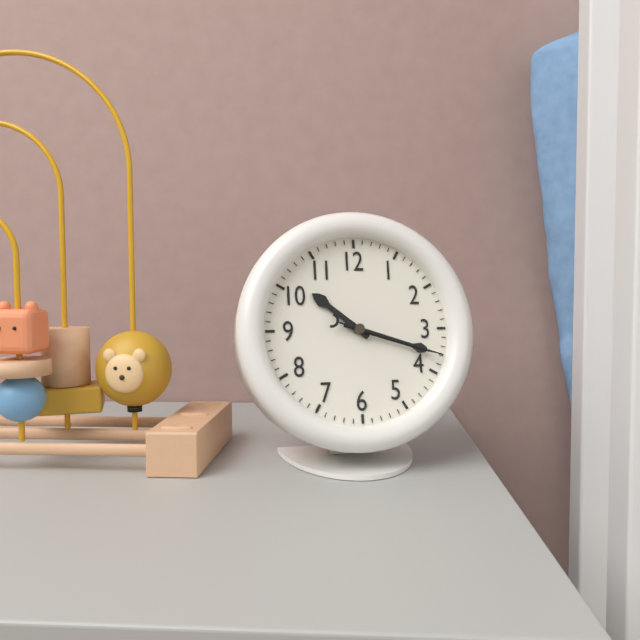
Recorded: h=10 m=18 s=18
